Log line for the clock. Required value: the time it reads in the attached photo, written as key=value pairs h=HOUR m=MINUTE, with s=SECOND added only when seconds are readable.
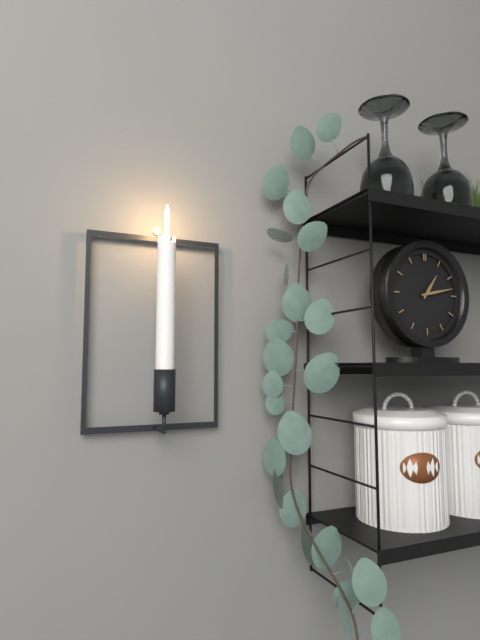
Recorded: h=1 m=13
